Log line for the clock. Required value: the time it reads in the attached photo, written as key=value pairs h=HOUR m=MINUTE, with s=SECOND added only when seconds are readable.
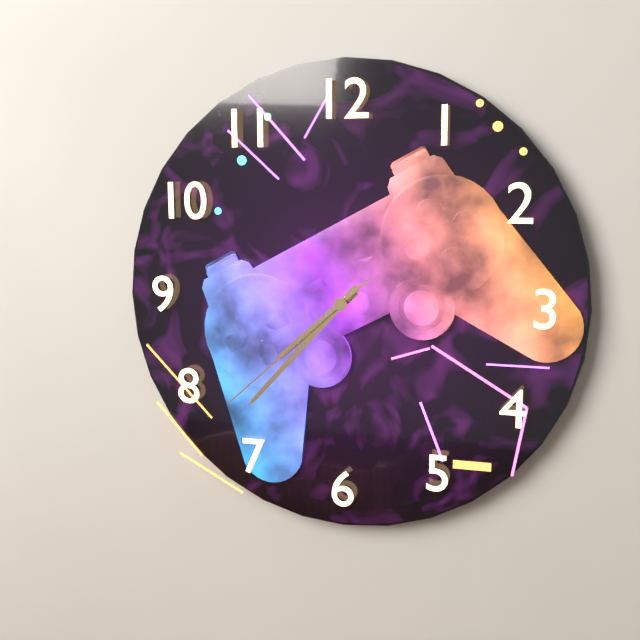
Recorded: h=7 m=37 s=38
